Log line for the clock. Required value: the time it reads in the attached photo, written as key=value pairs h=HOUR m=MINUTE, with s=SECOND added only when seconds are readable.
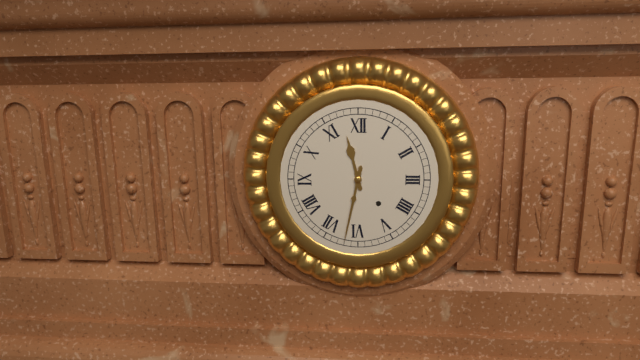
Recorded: h=11 m=32
